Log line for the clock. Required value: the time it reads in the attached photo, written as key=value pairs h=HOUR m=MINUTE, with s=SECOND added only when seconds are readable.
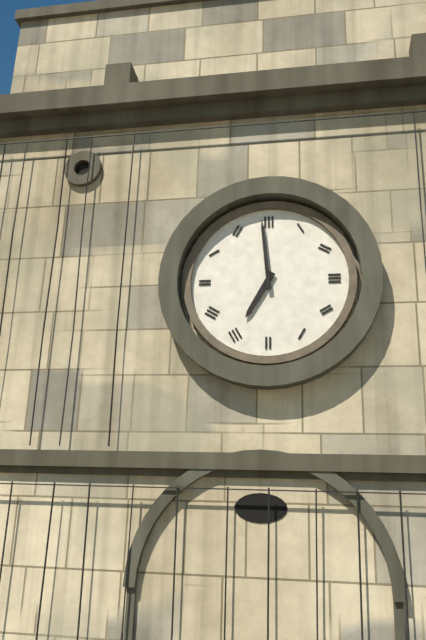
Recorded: h=6 m=59
